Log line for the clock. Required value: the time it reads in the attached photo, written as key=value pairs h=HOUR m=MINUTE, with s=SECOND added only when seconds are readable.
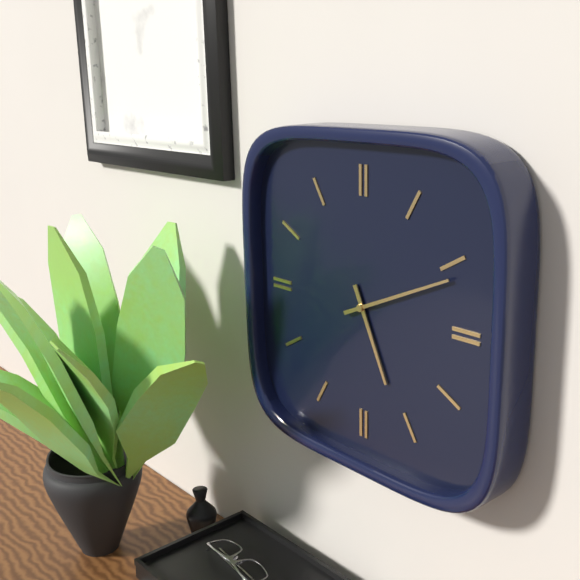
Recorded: h=5 m=11
